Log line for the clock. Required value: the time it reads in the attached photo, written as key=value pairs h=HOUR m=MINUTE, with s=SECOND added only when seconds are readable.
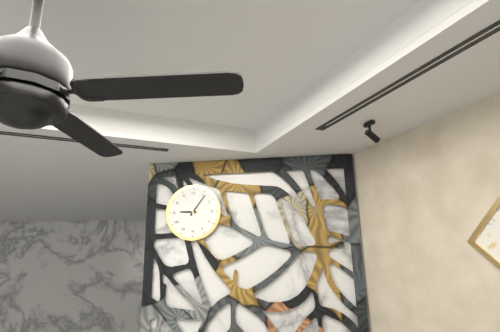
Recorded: h=9 m=6
